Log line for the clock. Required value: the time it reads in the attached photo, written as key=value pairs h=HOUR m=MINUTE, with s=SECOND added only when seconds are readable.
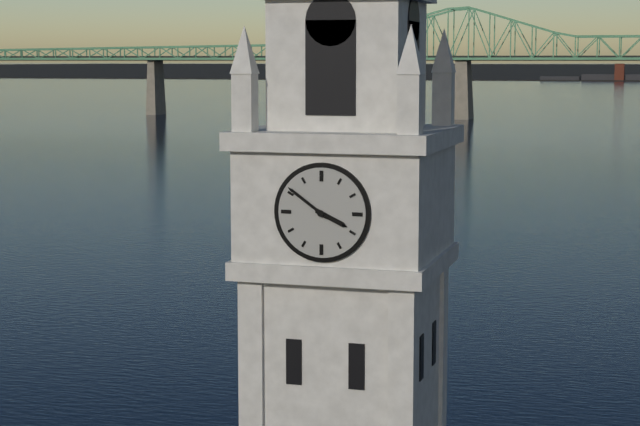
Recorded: h=3 m=51
